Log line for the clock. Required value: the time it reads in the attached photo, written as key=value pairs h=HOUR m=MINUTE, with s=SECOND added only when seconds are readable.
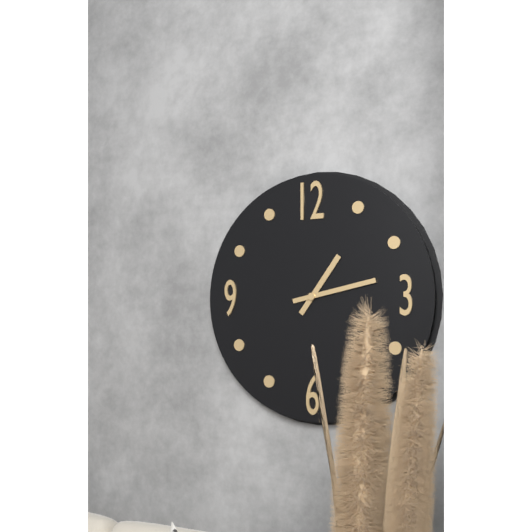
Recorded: h=1 m=13
